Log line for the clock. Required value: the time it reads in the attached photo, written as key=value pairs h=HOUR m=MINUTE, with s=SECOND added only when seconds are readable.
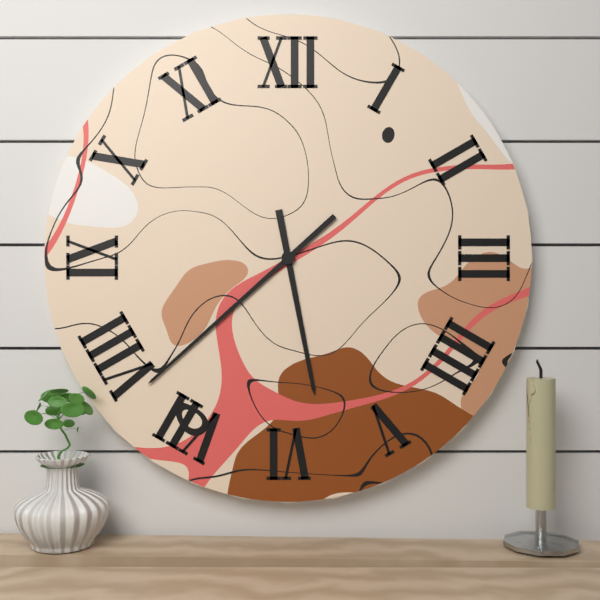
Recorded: h=5 m=38
